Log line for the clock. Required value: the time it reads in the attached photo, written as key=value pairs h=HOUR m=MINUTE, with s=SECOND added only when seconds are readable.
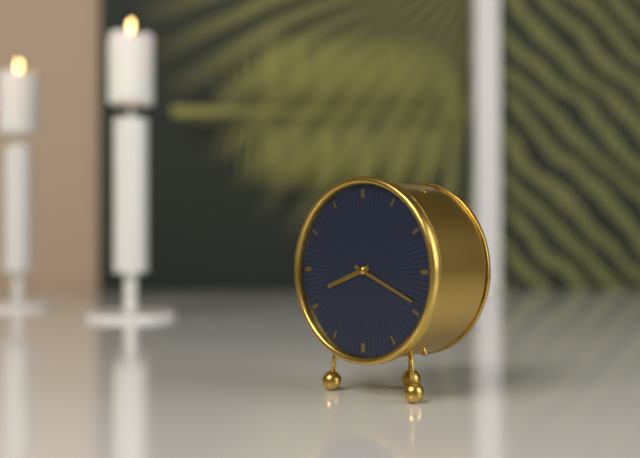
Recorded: h=8 m=19
